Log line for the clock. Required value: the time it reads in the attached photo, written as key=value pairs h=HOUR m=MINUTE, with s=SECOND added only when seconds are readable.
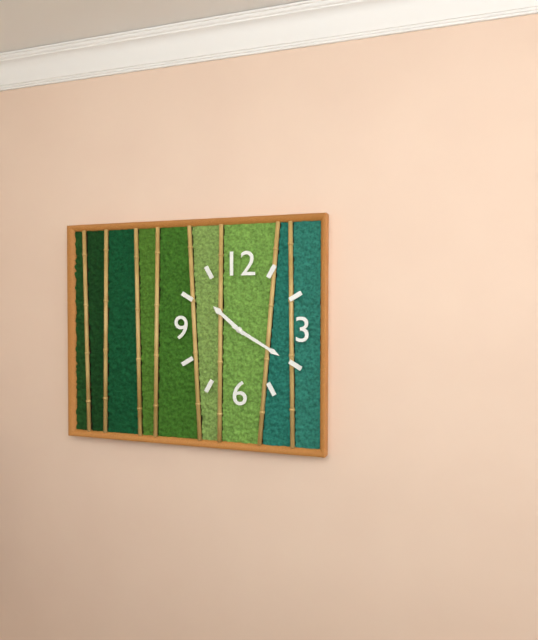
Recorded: h=10 m=20
